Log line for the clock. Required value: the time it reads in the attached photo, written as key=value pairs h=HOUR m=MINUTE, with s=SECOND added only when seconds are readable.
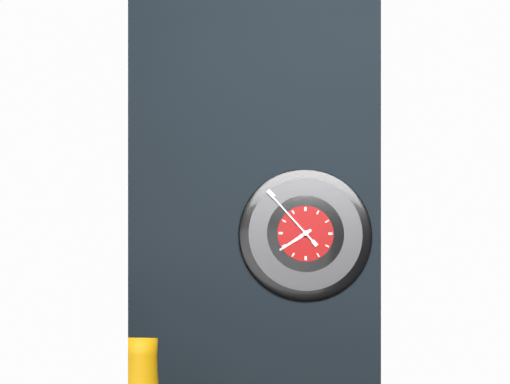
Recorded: h=7 m=53
